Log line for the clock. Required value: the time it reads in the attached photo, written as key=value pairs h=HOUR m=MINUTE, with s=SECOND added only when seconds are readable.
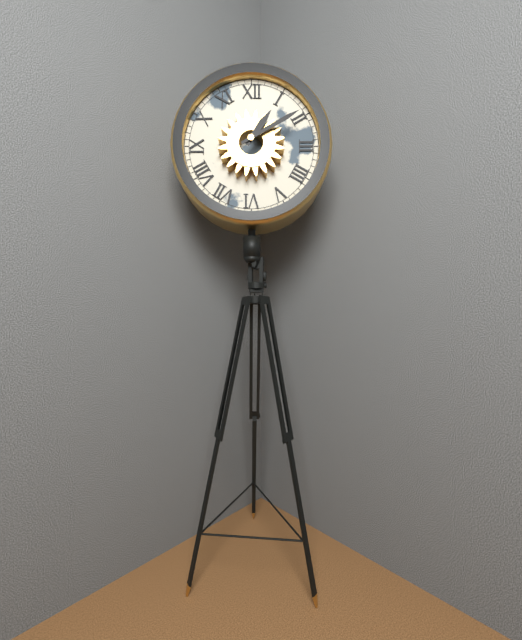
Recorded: h=1 m=10
